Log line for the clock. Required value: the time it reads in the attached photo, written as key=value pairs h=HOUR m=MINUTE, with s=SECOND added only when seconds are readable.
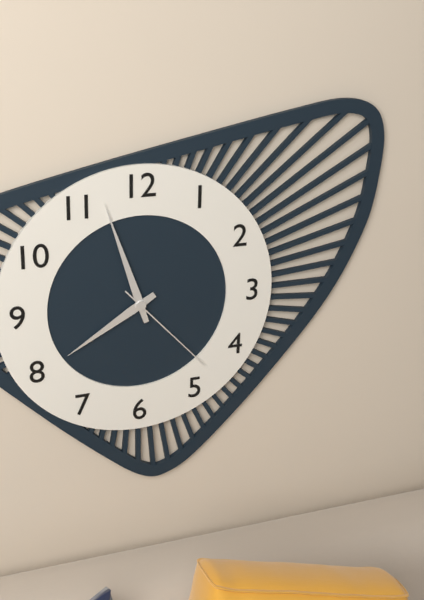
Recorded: h=7 m=57 s=23
